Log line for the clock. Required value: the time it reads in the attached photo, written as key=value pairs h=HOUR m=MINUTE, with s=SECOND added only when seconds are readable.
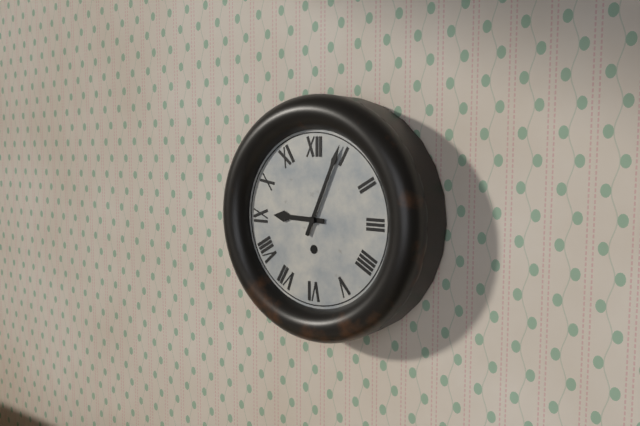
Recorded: h=9 m=4
